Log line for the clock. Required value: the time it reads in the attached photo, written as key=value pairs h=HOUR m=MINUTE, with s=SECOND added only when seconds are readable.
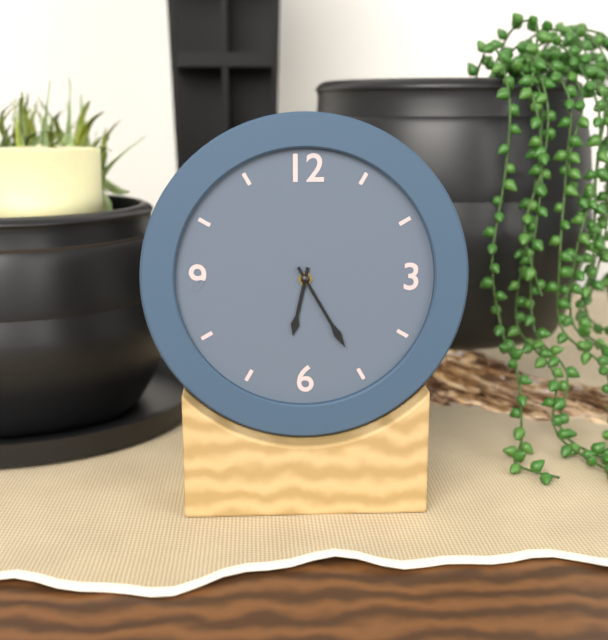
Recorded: h=6 m=25
